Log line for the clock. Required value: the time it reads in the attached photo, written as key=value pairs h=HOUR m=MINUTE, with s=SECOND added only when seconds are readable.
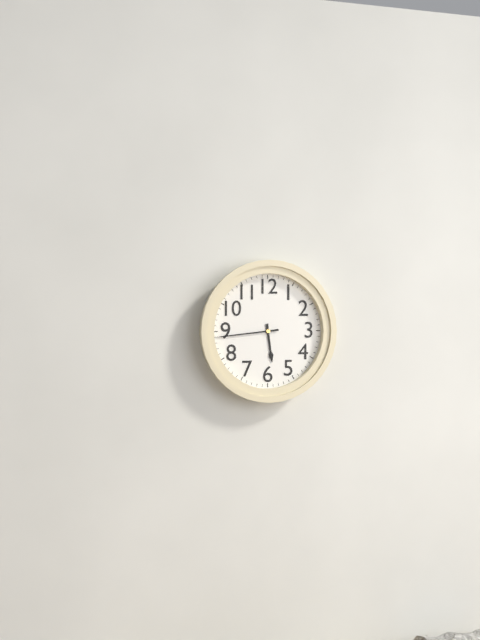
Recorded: h=5 m=44
